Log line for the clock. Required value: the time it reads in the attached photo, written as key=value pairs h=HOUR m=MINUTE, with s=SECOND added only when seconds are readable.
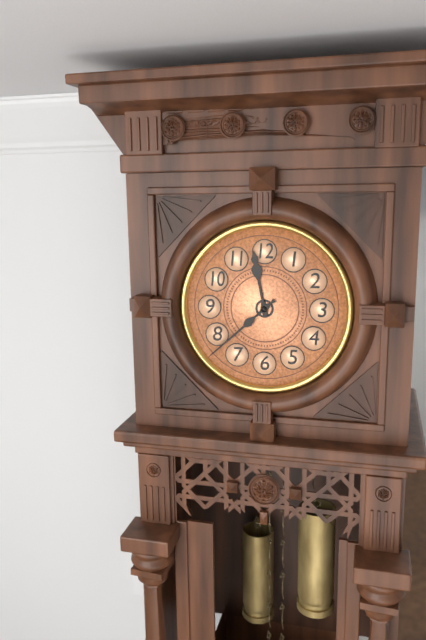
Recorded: h=11 m=38
